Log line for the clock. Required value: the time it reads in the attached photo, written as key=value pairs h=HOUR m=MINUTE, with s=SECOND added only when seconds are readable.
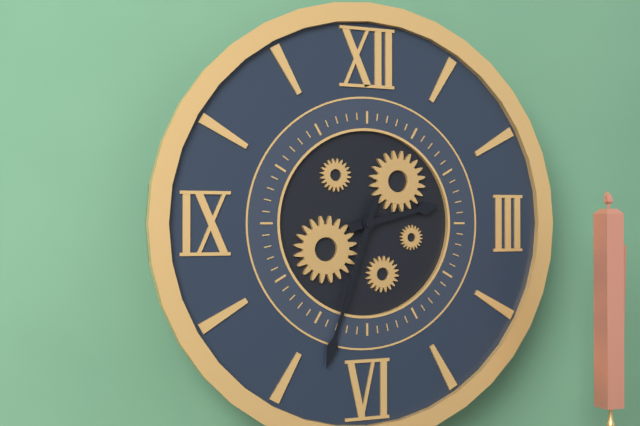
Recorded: h=2 m=33
